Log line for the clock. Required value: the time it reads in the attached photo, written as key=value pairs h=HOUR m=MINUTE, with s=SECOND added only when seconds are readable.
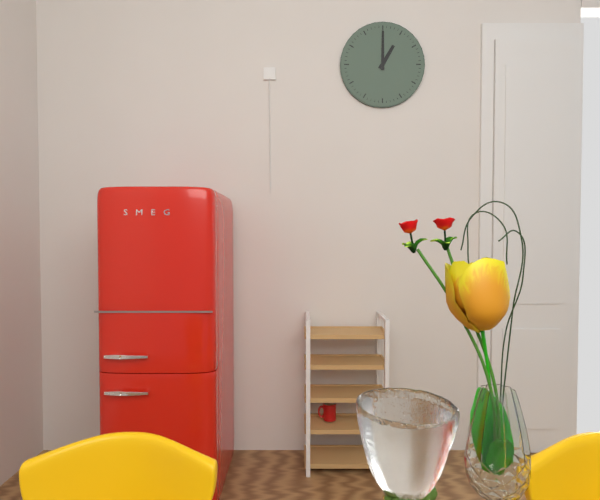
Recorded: h=1 m=0
